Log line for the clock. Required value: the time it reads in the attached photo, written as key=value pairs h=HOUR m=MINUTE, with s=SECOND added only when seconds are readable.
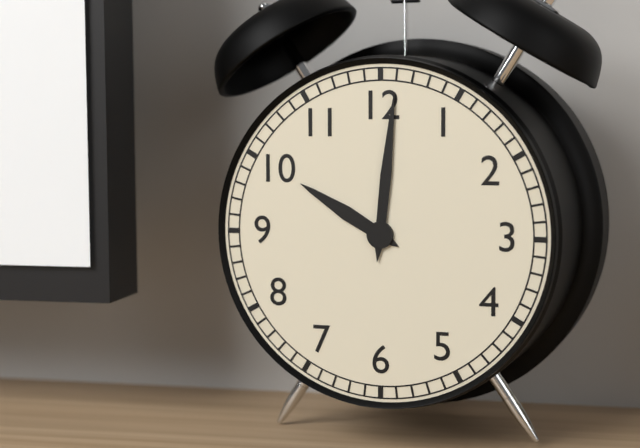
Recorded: h=10 m=1
